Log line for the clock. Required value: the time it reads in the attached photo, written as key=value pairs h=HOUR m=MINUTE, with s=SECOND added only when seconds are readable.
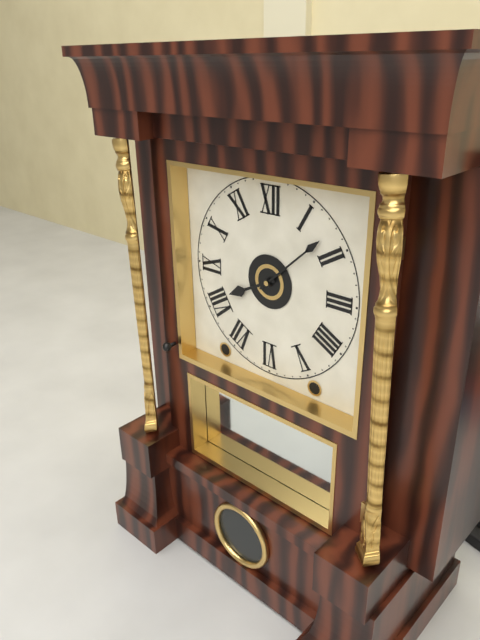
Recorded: h=8 m=8
